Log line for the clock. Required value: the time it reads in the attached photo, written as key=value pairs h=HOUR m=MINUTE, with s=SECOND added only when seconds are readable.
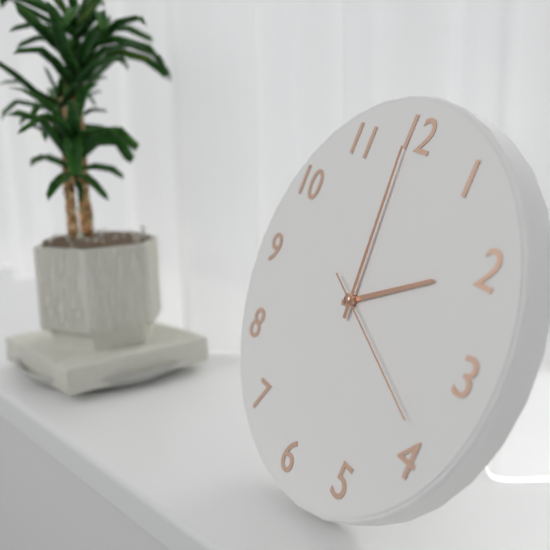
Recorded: h=1 m=59 s=19
